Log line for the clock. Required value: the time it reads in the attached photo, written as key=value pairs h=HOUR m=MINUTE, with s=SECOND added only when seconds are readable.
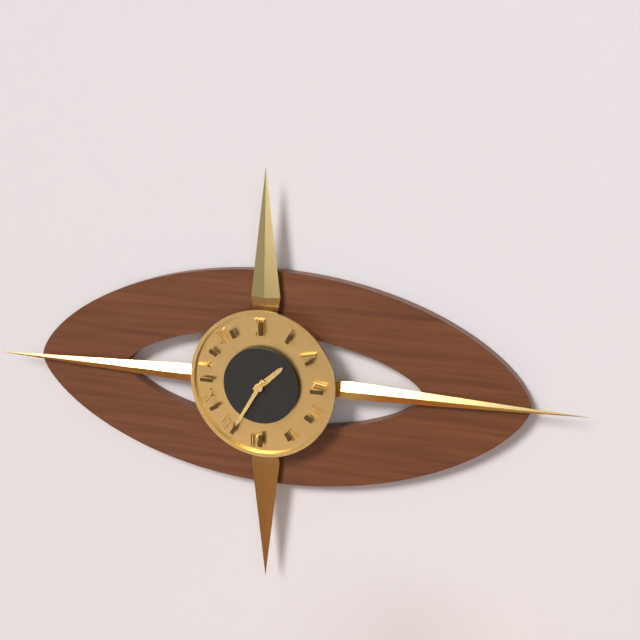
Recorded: h=1 m=35
